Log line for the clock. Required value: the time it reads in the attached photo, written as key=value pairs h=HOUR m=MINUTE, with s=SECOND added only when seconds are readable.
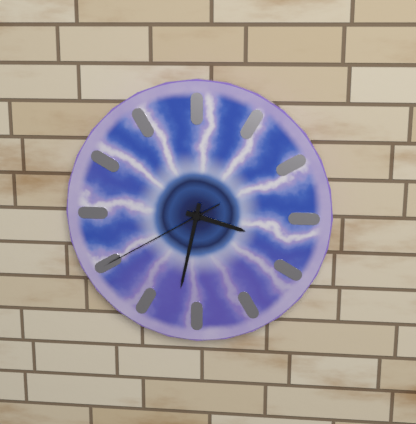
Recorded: h=3 m=32 s=40
